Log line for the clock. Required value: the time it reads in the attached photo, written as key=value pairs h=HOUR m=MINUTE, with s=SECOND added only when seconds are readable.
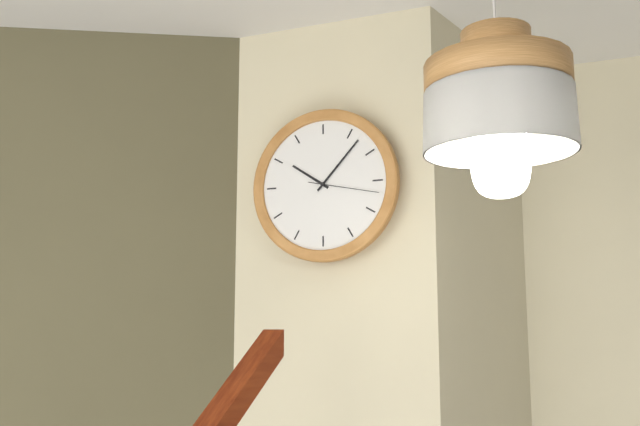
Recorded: h=10 m=7 s=17
